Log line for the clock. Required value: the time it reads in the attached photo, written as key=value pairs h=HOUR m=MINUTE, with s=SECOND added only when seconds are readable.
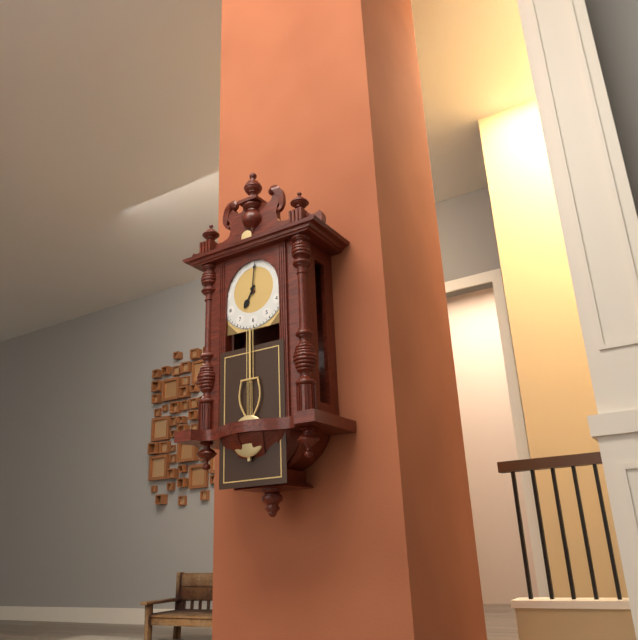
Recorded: h=7 m=1
